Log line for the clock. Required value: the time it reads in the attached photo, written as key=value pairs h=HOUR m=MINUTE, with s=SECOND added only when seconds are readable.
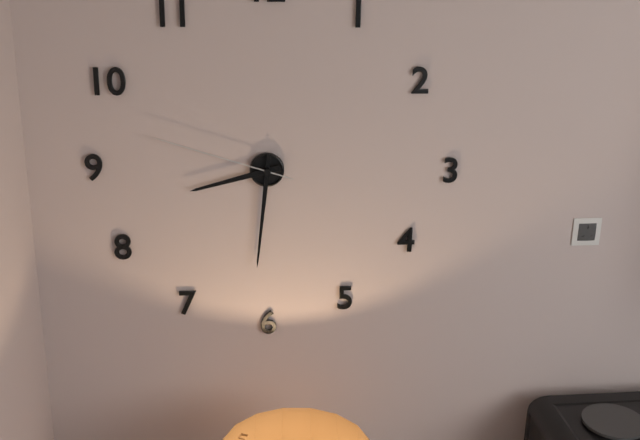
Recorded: h=8 m=31 s=48
